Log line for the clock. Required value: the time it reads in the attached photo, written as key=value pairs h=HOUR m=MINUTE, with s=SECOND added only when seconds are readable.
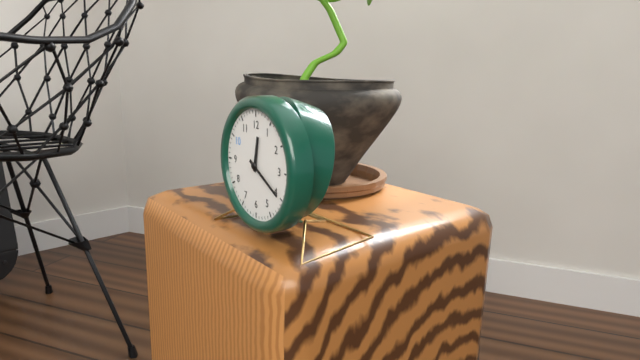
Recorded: h=12 m=20
